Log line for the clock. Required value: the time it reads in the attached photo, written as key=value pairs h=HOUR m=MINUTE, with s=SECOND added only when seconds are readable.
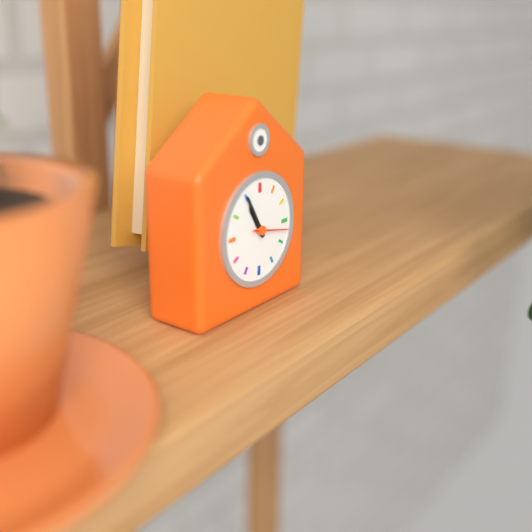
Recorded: h=10 m=55 s=17
